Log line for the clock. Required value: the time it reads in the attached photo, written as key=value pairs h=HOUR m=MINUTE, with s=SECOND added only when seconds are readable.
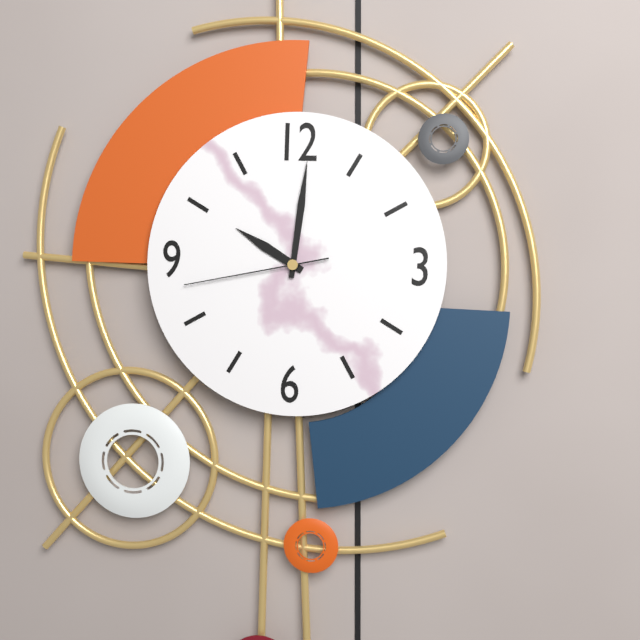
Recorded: h=10 m=1 s=43
